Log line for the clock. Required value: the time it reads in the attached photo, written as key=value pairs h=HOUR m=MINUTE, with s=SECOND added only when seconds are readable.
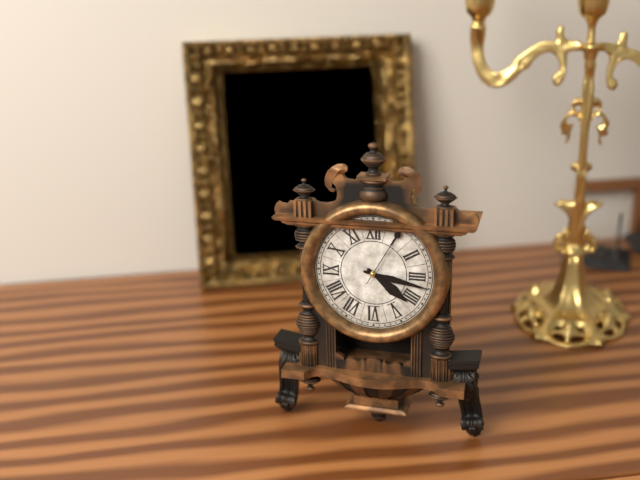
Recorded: h=4 m=17 s=5
